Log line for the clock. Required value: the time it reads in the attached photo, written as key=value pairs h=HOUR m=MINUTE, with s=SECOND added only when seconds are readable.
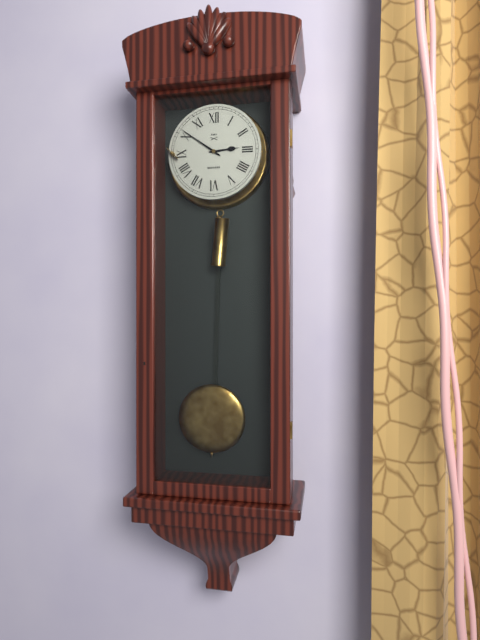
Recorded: h=2 m=51
